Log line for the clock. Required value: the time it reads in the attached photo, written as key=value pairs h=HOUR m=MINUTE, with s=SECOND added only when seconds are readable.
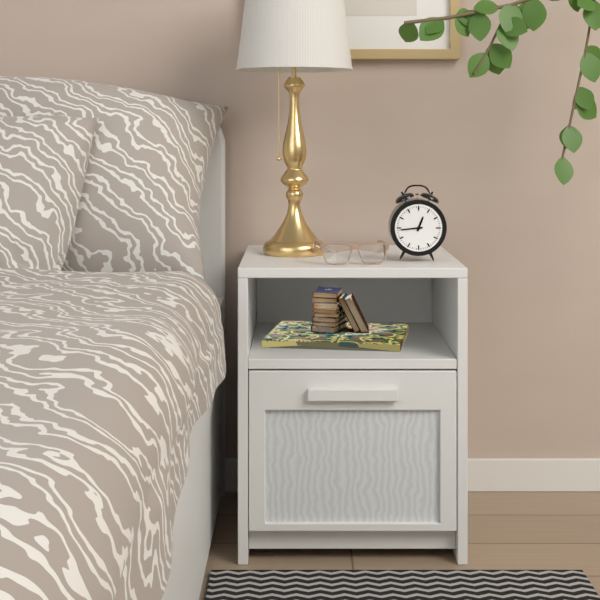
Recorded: h=12 m=44
